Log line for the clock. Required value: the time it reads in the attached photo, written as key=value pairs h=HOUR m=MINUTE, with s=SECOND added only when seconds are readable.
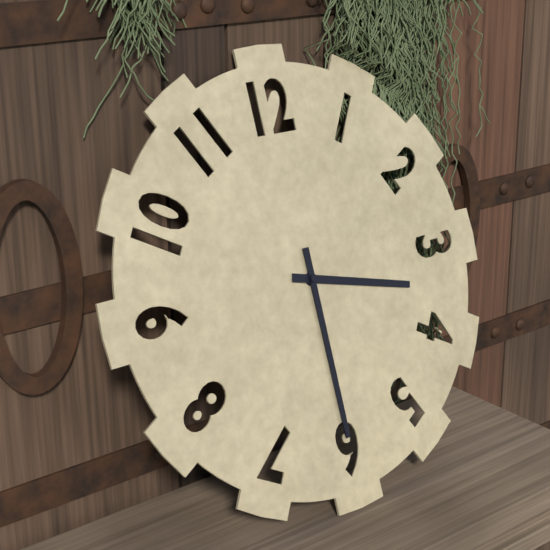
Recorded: h=3 m=30
